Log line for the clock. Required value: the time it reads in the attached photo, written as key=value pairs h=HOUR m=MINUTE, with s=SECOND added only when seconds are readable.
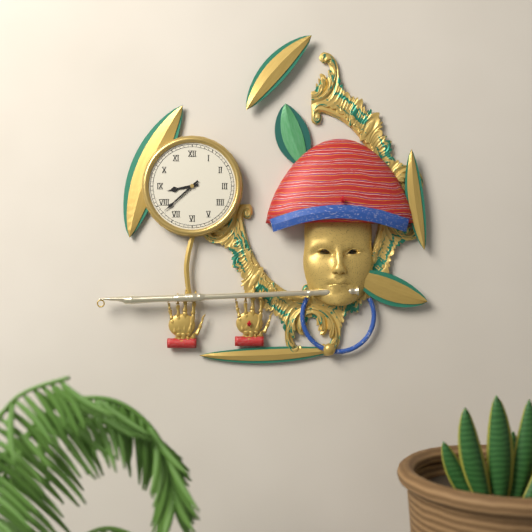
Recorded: h=8 m=38
